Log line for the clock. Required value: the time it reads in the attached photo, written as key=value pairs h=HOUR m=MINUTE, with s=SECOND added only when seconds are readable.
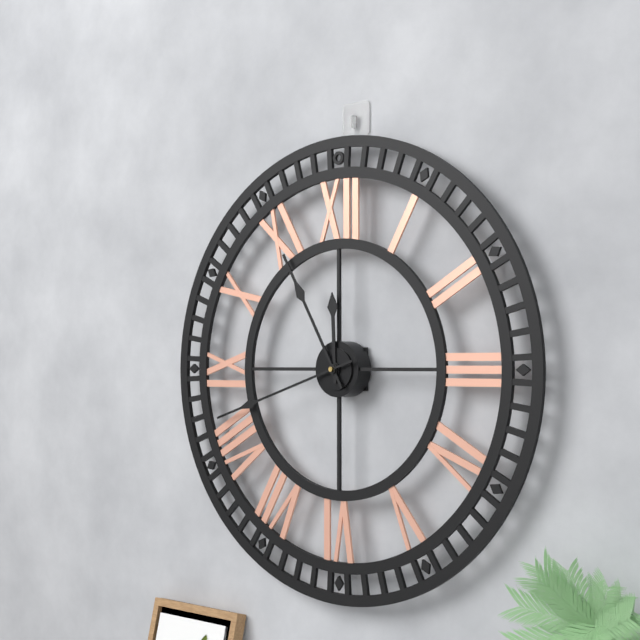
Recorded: h=11 m=55 s=42
